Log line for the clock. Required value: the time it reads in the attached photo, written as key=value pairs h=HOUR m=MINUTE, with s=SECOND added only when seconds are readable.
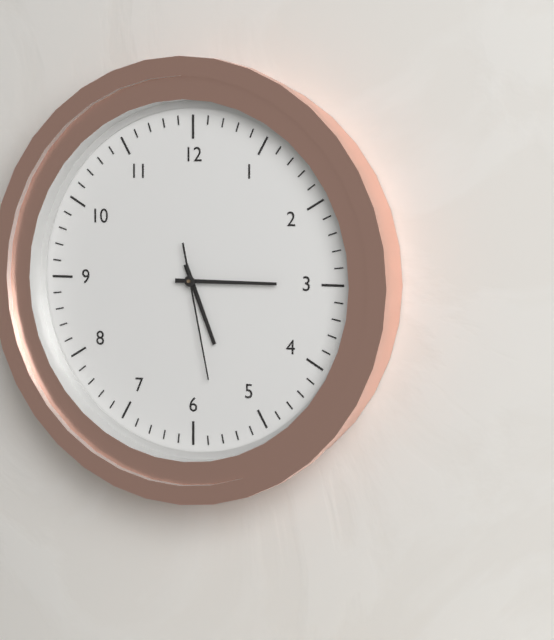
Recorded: h=5 m=15 s=28
